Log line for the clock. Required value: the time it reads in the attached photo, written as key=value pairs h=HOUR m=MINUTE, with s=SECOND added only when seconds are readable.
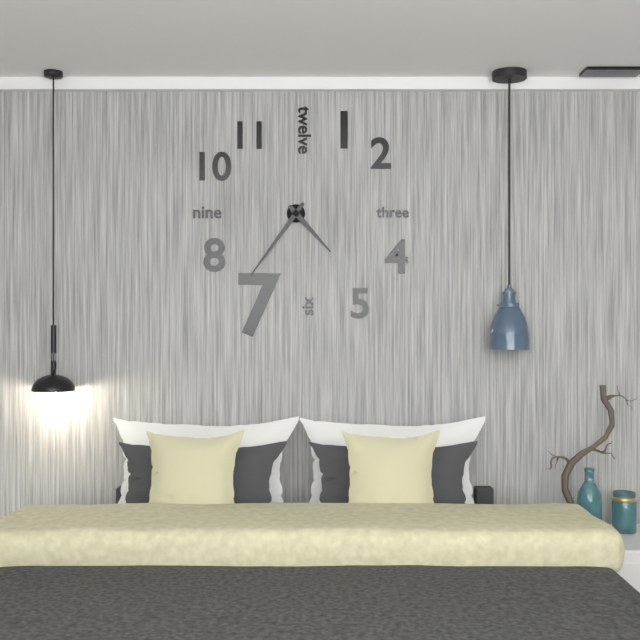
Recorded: h=4 m=36
